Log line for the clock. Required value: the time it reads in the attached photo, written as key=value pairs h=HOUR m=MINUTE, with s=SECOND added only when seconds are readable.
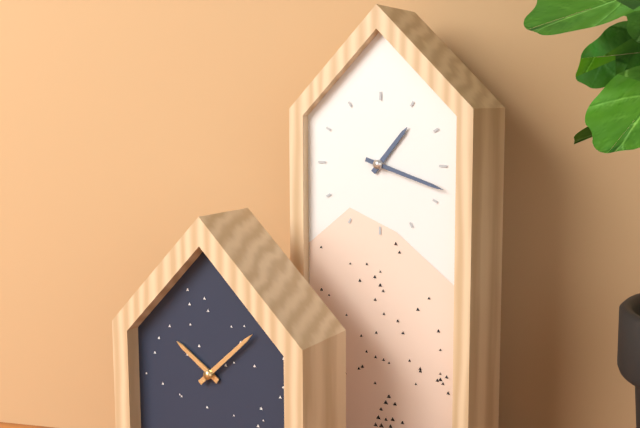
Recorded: h=1 m=18
